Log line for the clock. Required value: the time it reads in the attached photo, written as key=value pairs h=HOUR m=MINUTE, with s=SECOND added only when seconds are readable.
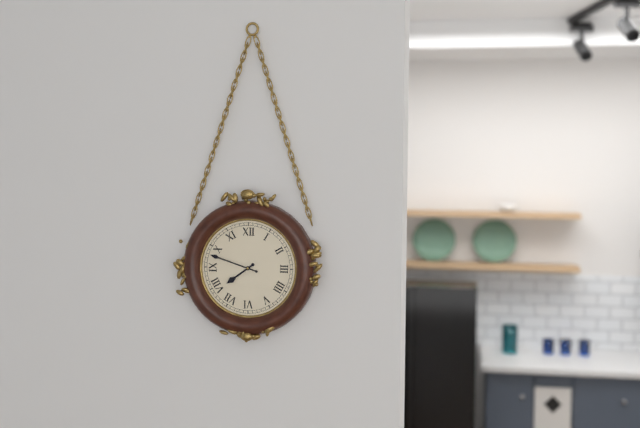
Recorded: h=7 m=48
